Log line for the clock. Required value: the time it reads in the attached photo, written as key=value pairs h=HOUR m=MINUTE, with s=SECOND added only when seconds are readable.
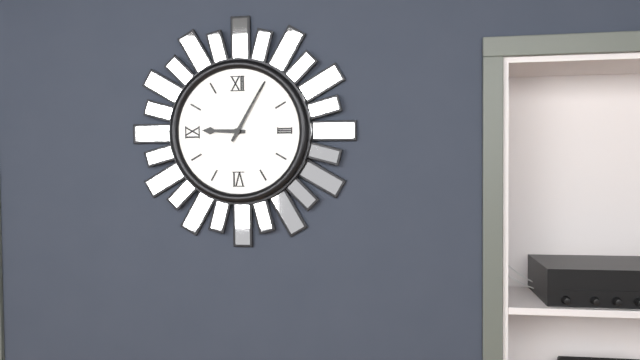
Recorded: h=9 m=5
